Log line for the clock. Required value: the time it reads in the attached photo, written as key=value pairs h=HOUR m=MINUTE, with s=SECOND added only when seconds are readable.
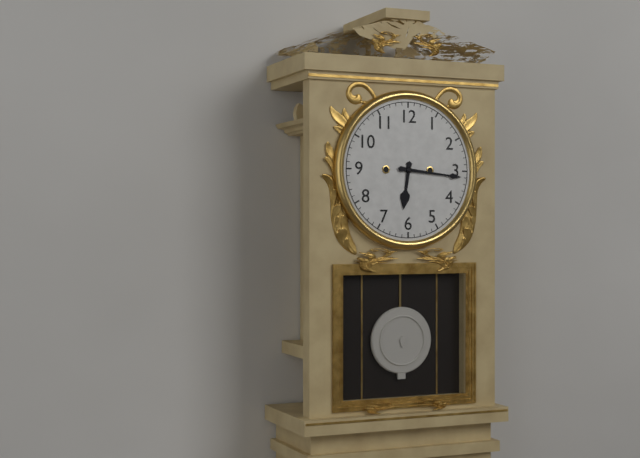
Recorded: h=6 m=16
